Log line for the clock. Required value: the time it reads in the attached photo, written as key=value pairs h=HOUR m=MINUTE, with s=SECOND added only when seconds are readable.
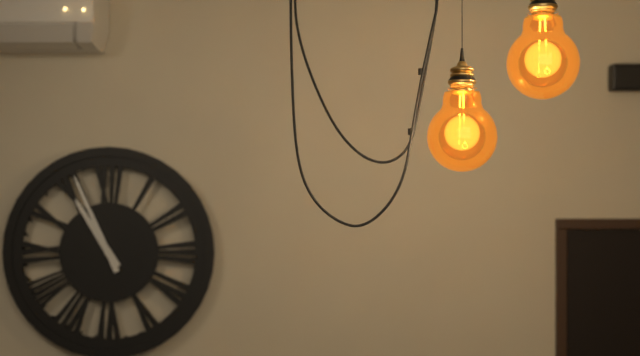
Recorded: h=10 m=56
